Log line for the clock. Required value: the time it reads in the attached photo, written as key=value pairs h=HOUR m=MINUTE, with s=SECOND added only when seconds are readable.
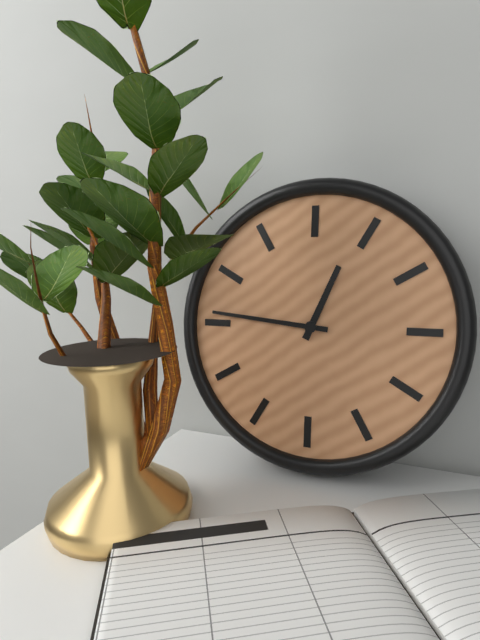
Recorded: h=12 m=46
